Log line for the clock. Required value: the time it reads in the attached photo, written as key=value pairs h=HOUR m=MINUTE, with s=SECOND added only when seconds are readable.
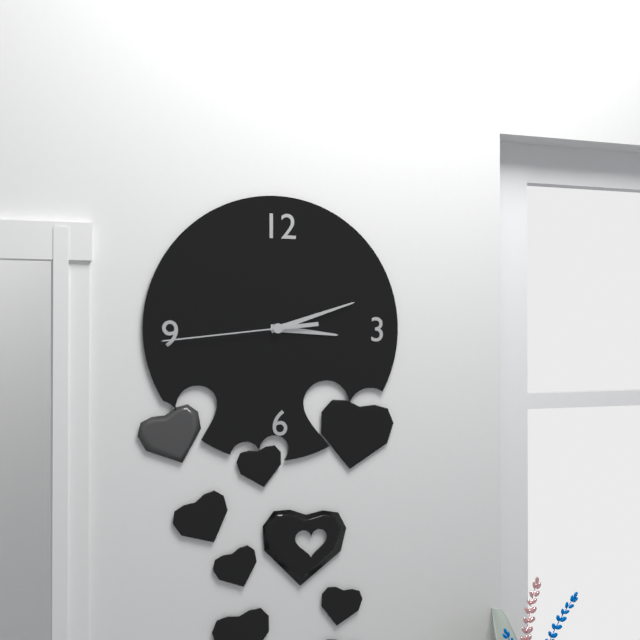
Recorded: h=3 m=12 s=44
